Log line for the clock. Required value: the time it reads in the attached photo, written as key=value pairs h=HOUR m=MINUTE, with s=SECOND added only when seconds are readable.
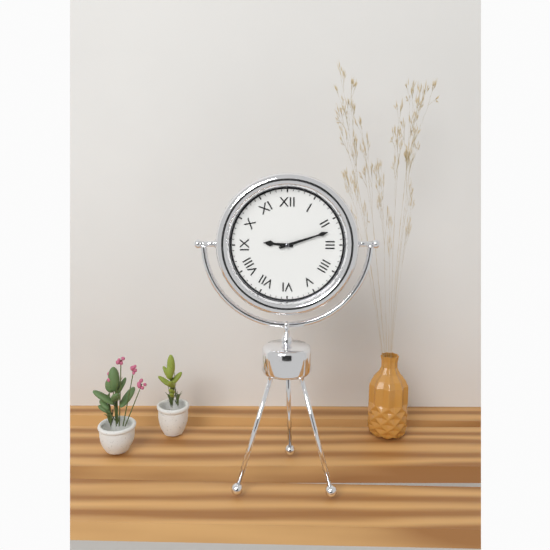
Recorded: h=9 m=12
